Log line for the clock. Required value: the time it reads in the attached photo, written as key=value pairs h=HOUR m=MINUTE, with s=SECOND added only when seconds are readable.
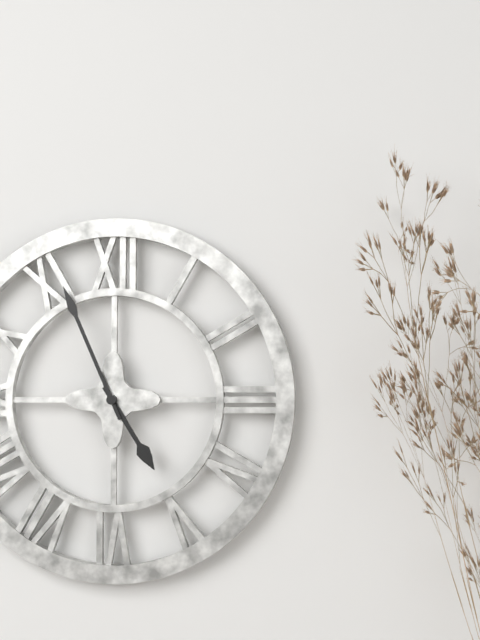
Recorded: h=4 m=56
